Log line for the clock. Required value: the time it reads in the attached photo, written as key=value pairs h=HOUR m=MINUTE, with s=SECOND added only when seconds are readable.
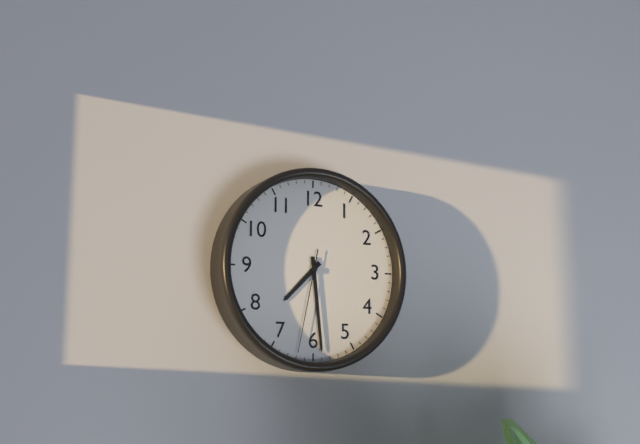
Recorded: h=7 m=29 s=32
